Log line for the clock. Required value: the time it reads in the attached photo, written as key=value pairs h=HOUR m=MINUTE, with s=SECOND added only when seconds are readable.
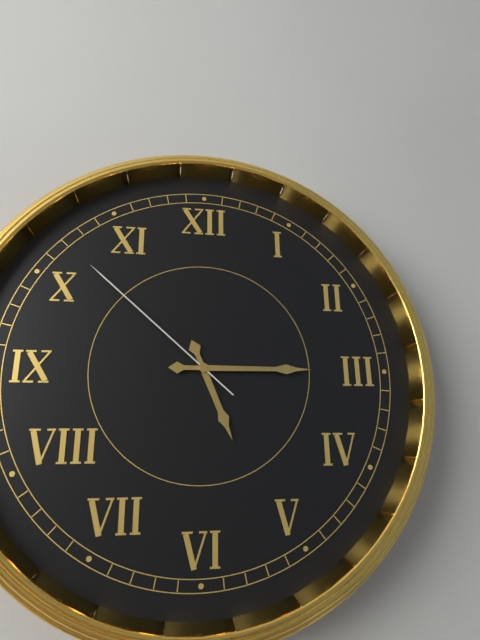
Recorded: h=5 m=15 s=52
